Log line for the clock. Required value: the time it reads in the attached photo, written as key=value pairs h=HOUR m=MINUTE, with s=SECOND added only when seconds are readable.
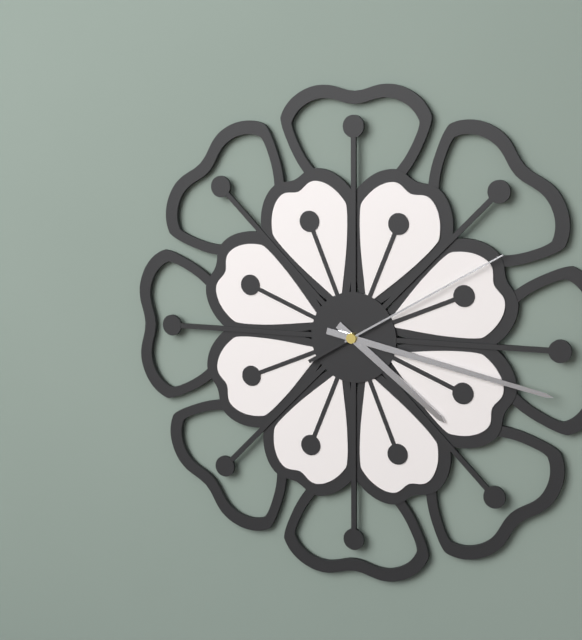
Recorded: h=4 m=17 s=10
